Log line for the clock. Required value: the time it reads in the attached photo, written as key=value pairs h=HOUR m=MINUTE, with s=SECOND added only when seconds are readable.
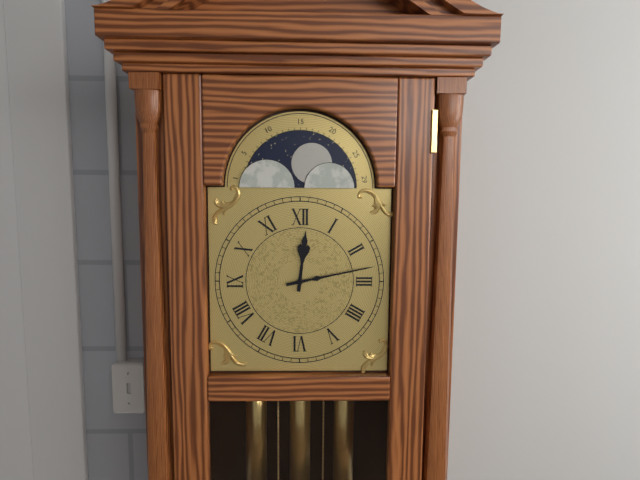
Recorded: h=12 m=13
